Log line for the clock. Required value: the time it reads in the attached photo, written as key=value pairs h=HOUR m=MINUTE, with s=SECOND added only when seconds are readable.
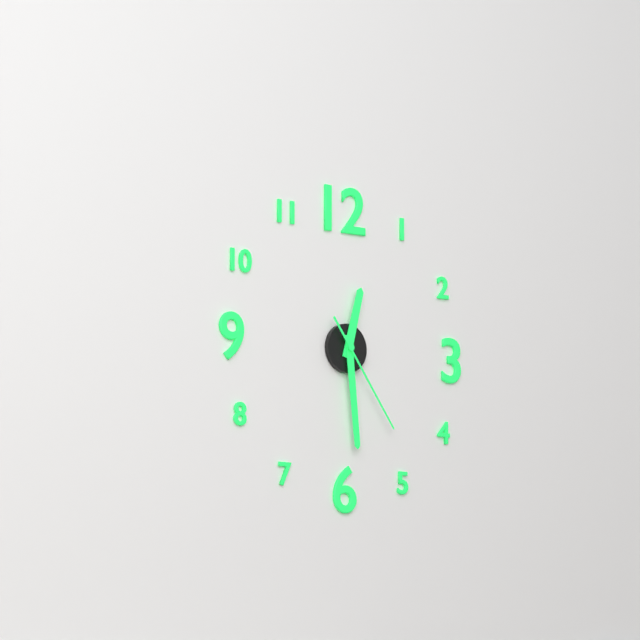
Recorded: h=12 m=29 s=24
